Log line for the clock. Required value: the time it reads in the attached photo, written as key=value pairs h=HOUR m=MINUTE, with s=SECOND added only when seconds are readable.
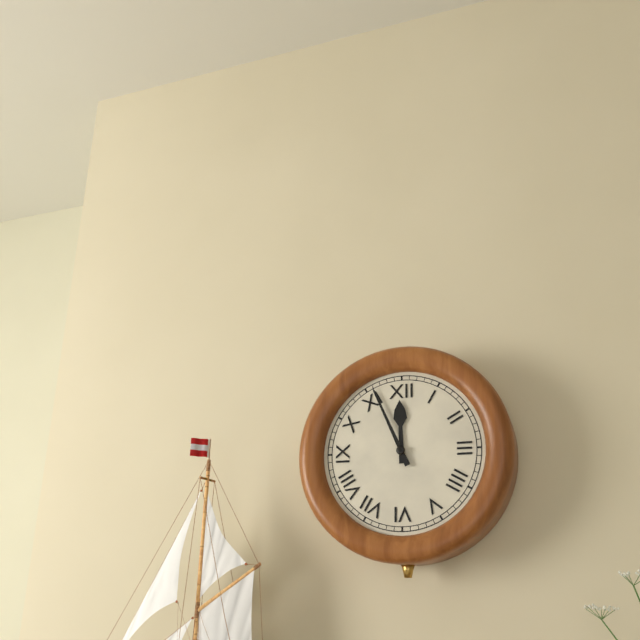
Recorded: h=11 m=56
